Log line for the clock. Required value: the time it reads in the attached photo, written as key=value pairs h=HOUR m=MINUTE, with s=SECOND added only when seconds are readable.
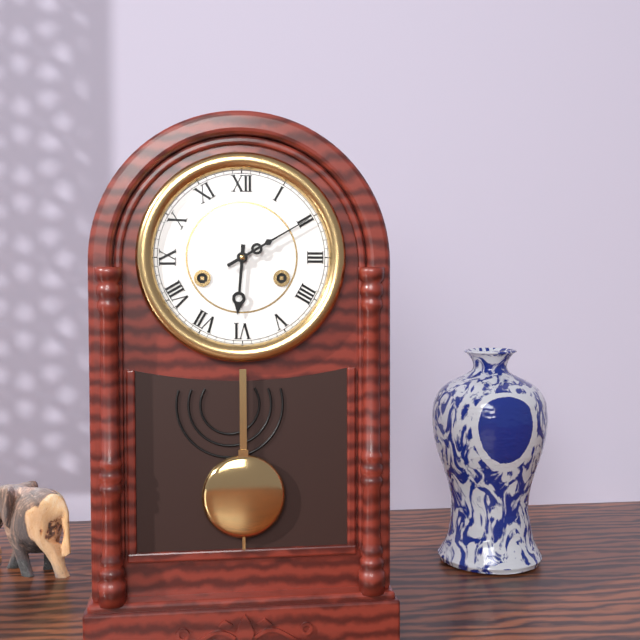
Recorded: h=6 m=10
